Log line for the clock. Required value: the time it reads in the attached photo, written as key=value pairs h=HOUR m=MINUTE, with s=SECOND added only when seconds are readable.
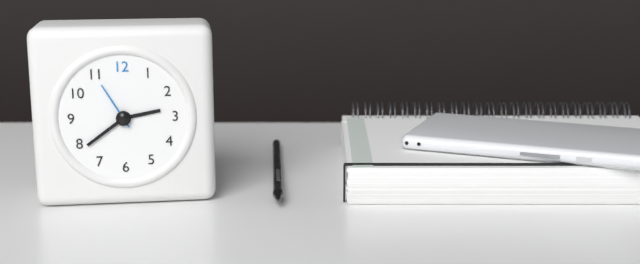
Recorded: h=2 m=39
